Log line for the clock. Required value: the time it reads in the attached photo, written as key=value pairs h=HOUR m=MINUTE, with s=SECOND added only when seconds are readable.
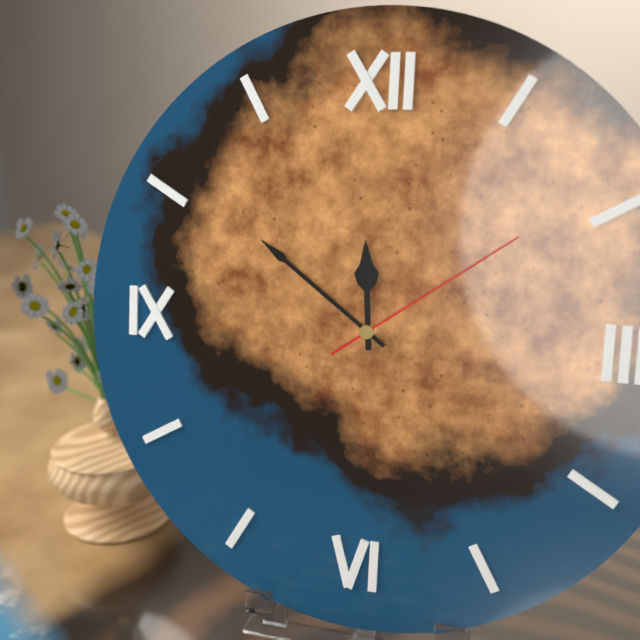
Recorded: h=11 m=51 s=9
